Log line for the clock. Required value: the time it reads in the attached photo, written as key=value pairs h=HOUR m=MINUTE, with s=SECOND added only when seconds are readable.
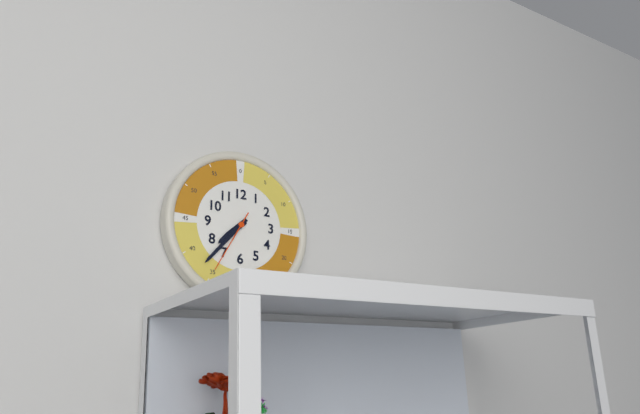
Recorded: h=7 m=37 s=35
